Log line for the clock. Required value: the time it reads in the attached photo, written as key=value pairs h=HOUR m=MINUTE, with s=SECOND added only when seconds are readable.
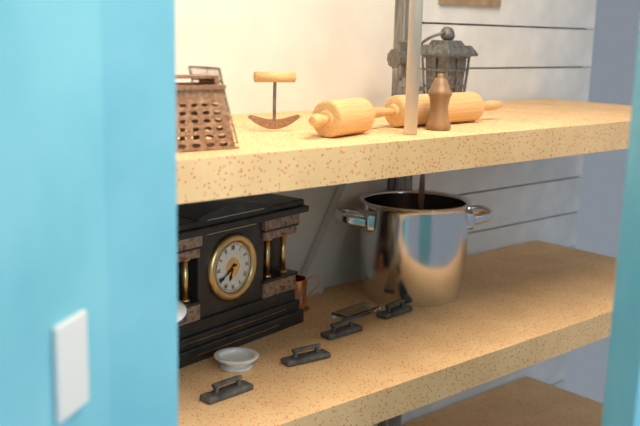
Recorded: h=6 m=40
